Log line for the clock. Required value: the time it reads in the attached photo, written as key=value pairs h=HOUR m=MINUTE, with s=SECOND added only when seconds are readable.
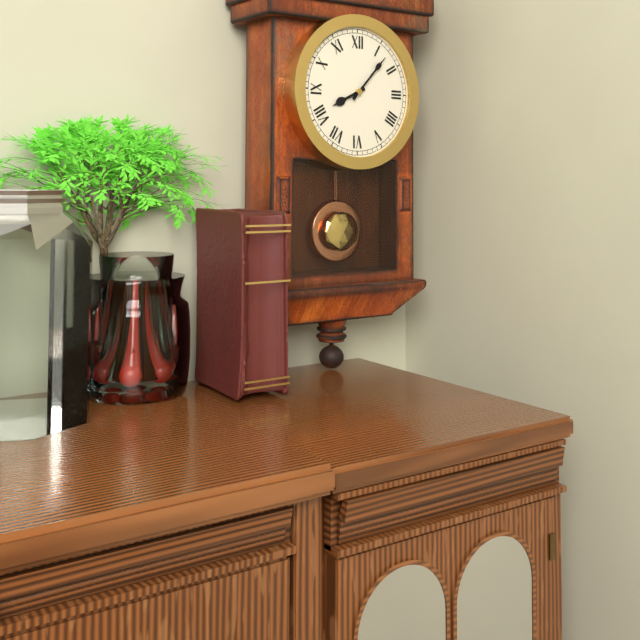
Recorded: h=8 m=7
